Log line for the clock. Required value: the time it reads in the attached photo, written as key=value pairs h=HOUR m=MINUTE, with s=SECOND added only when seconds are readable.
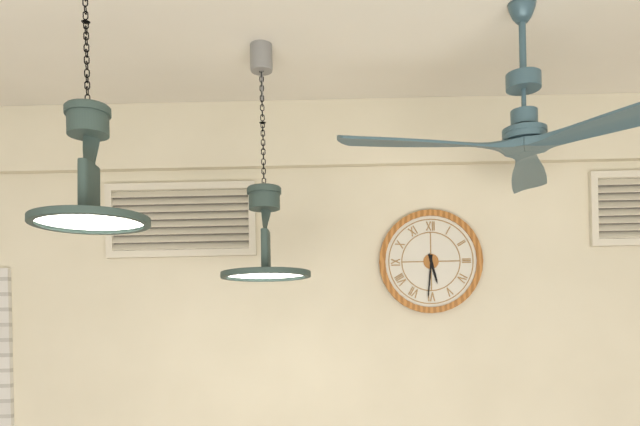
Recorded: h=5 m=31
